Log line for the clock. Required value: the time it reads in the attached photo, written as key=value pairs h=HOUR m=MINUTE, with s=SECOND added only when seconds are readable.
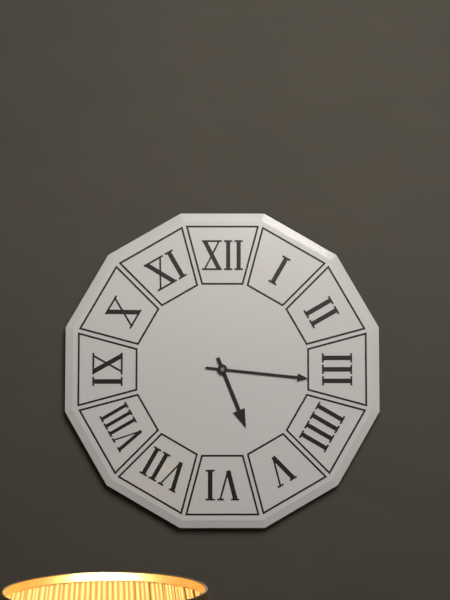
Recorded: h=5 m=16
